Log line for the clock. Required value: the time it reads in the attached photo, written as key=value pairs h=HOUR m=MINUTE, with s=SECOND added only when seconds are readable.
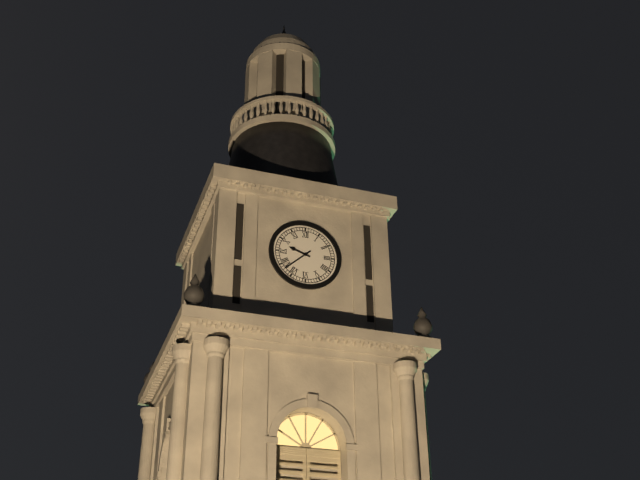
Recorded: h=9 m=38
